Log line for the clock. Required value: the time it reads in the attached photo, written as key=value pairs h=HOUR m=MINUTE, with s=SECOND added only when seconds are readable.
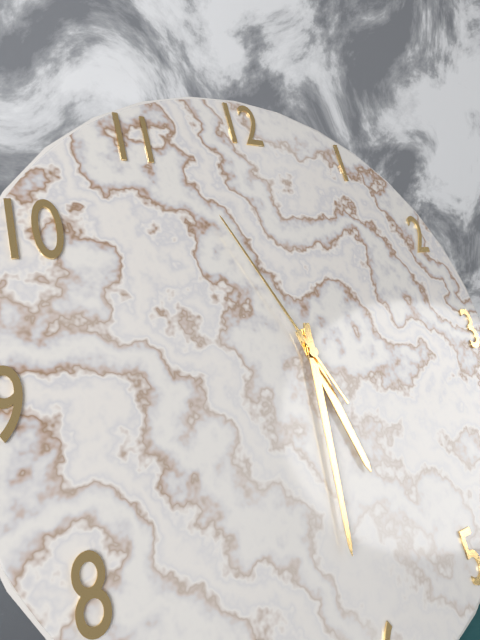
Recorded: h=5 m=31 s=56
